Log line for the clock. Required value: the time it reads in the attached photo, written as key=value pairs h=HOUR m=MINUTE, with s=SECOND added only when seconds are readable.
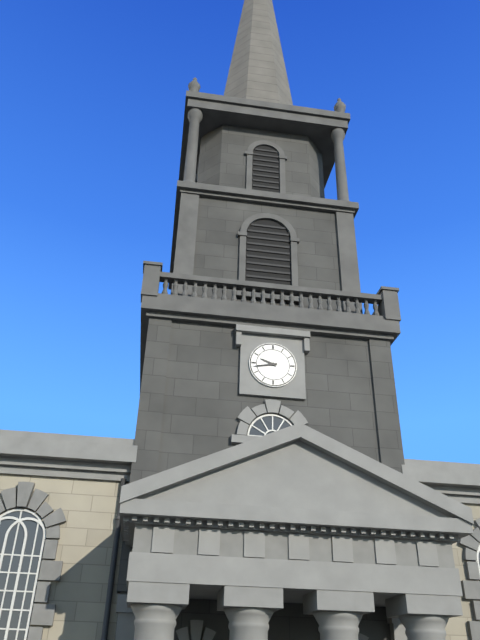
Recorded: h=9 m=43
